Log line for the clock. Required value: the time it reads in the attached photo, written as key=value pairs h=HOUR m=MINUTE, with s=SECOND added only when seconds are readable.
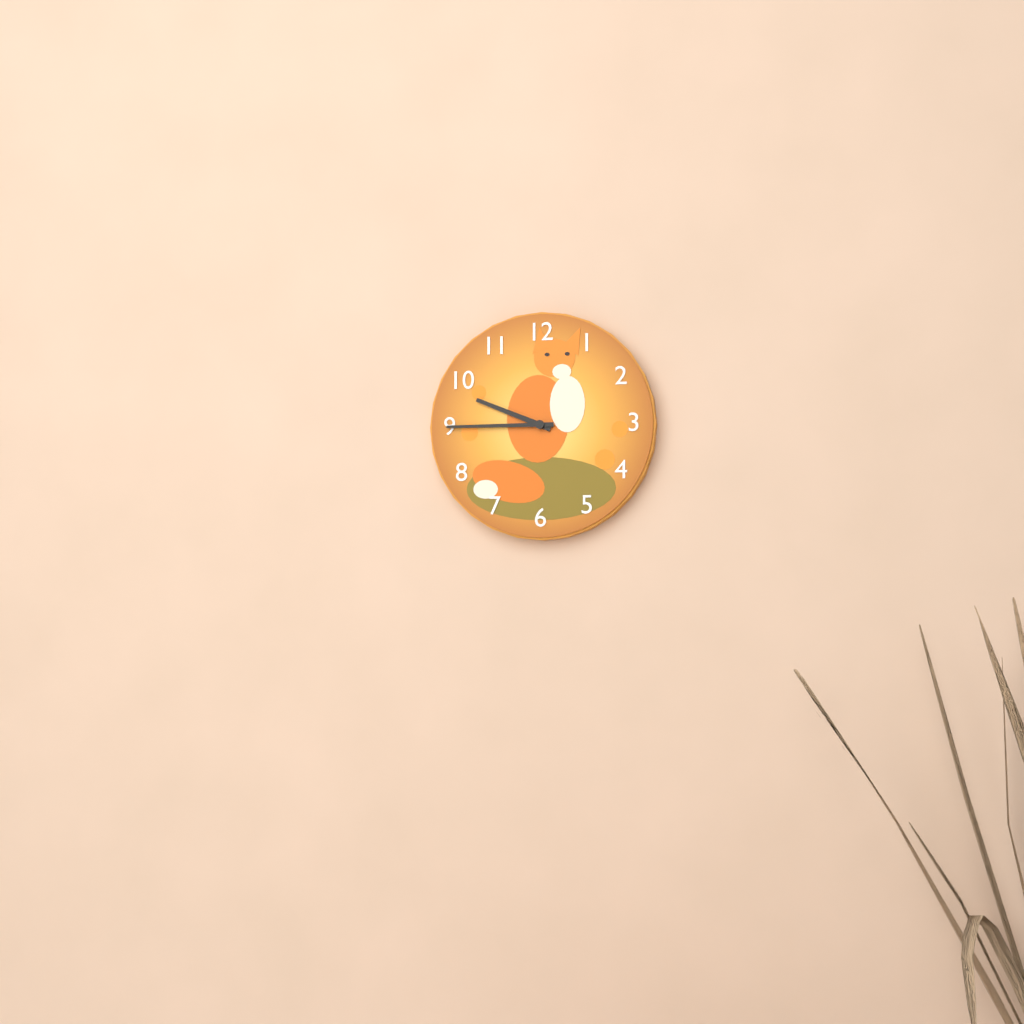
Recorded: h=9 m=45
